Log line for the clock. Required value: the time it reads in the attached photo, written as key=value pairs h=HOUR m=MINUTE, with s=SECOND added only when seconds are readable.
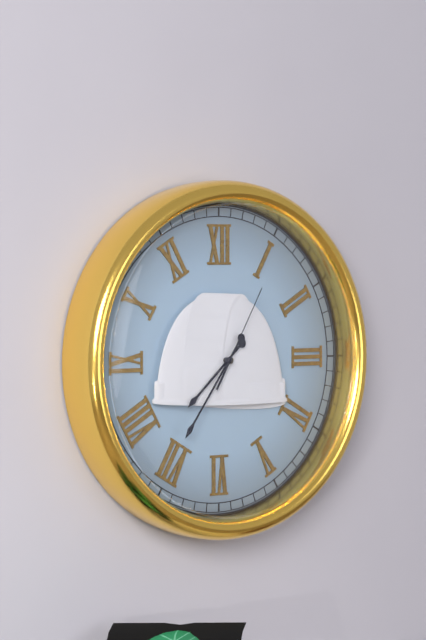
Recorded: h=7 m=36 s=5
